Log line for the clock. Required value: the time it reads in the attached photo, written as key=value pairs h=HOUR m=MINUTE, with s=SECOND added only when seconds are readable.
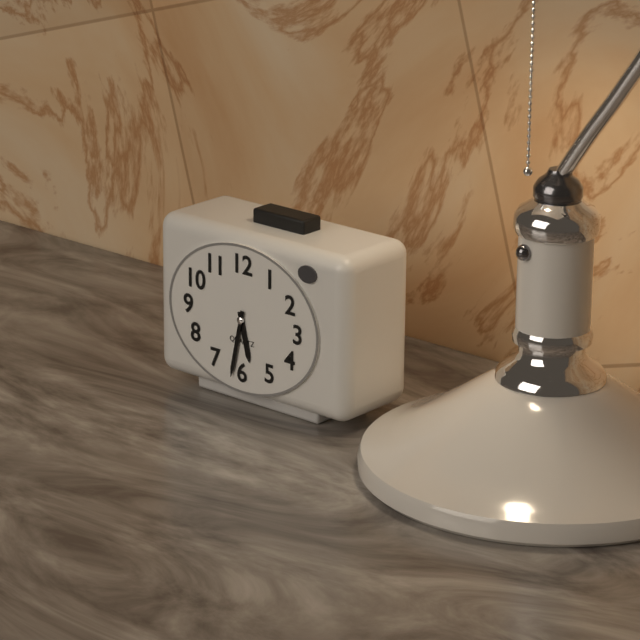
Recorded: h=5 m=32
